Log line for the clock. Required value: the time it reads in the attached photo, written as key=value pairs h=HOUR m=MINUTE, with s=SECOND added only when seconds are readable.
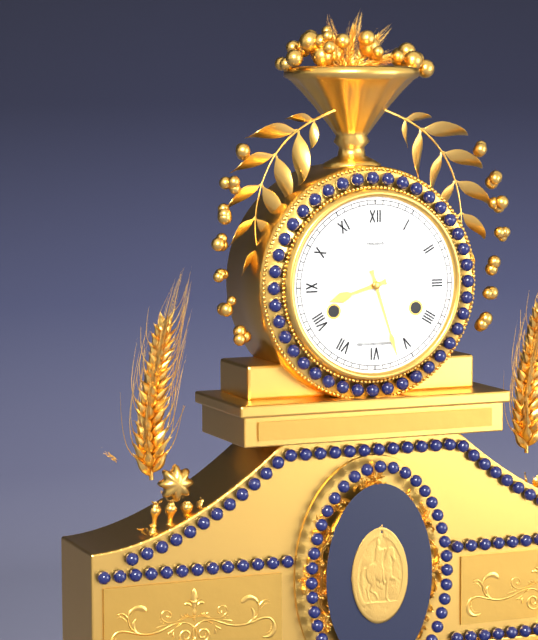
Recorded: h=8 m=27
